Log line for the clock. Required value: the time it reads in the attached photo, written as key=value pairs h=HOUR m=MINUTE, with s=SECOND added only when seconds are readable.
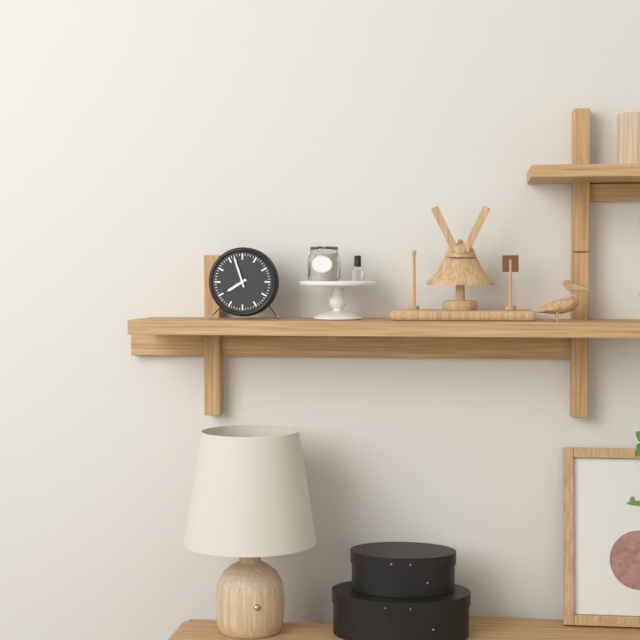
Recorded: h=7 m=57
